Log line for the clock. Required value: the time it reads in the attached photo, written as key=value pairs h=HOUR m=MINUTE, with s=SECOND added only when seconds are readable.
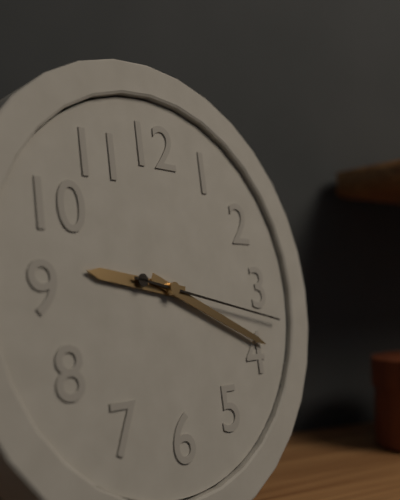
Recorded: h=9 m=19 s=17
